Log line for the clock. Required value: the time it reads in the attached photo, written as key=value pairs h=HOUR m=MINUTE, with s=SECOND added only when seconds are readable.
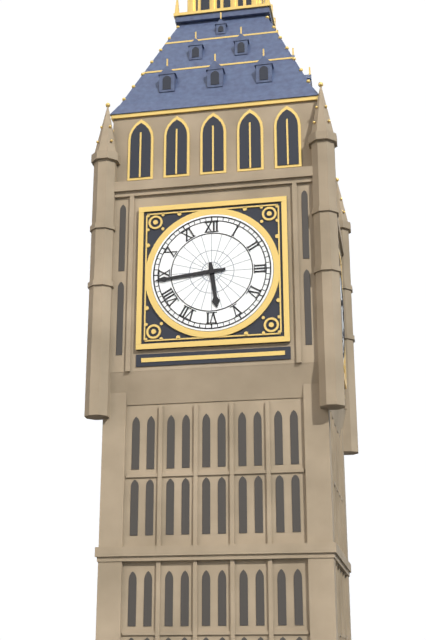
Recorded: h=5 m=44
